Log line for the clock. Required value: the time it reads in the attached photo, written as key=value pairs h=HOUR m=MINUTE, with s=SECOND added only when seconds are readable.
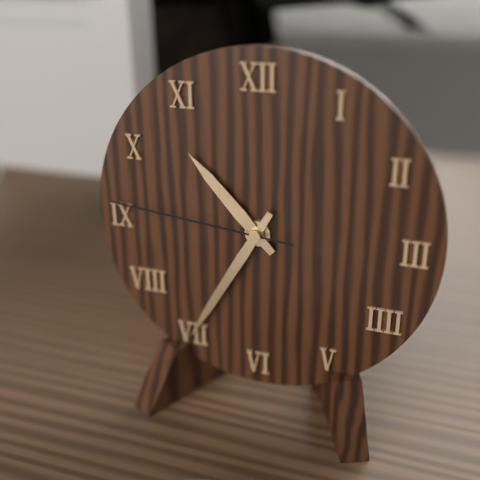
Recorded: h=10 m=35 s=46
